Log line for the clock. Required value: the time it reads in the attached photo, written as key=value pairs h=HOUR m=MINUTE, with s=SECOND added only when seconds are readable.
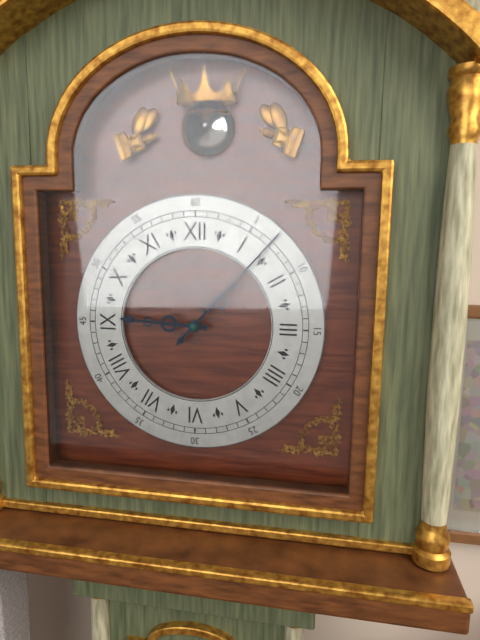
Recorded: h=9 m=7
